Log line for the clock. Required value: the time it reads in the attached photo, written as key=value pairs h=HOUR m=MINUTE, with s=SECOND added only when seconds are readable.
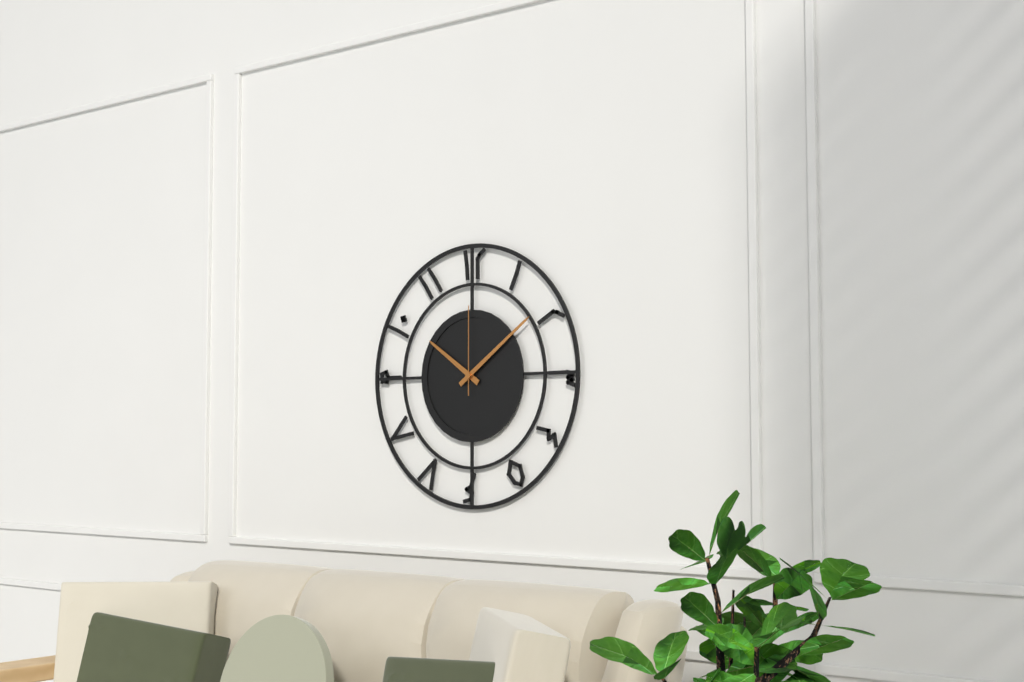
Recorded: h=10 m=9 s=0
